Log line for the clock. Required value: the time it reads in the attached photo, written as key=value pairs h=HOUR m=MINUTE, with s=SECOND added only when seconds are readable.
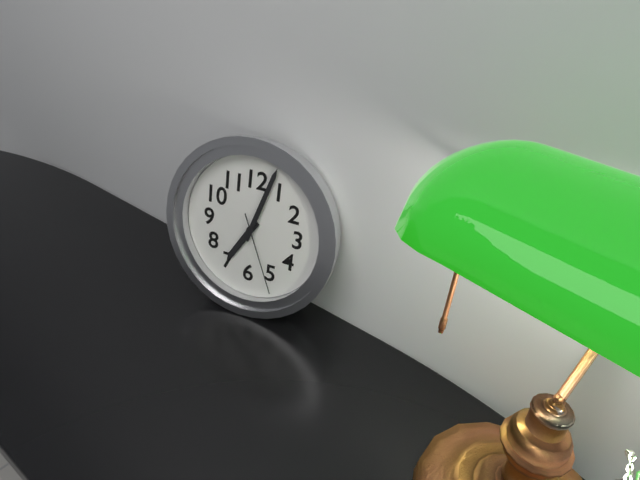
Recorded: h=7 m=3 s=26
